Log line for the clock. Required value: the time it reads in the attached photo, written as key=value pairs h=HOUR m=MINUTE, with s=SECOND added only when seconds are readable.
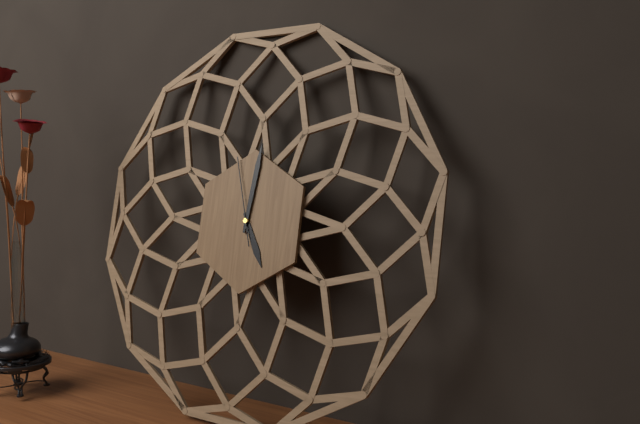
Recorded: h=5 m=1 s=57
